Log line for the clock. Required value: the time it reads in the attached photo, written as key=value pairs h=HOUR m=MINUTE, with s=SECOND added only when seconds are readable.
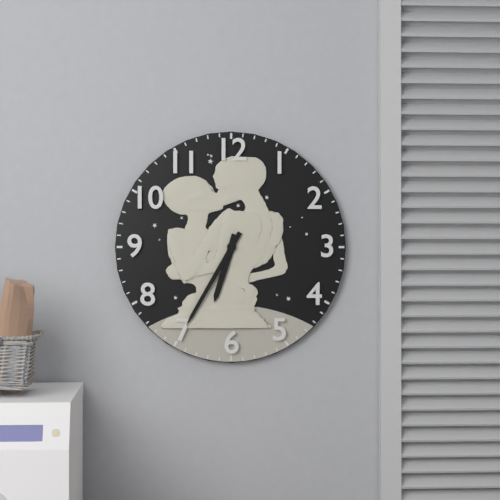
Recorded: h=6 m=35
